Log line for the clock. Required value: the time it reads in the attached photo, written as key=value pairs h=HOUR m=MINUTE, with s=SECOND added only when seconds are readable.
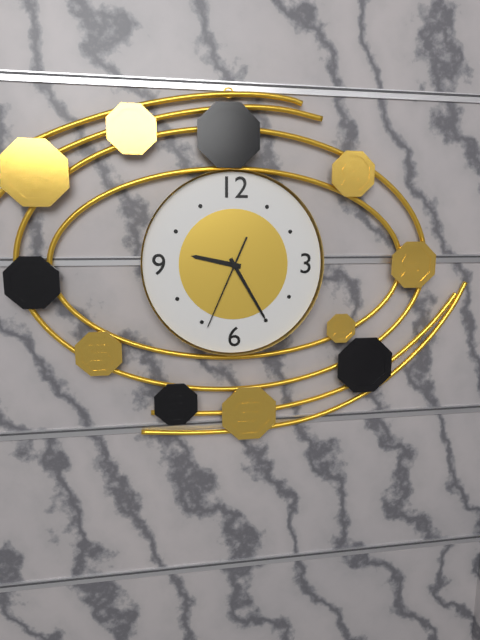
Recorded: h=9 m=25 s=34
